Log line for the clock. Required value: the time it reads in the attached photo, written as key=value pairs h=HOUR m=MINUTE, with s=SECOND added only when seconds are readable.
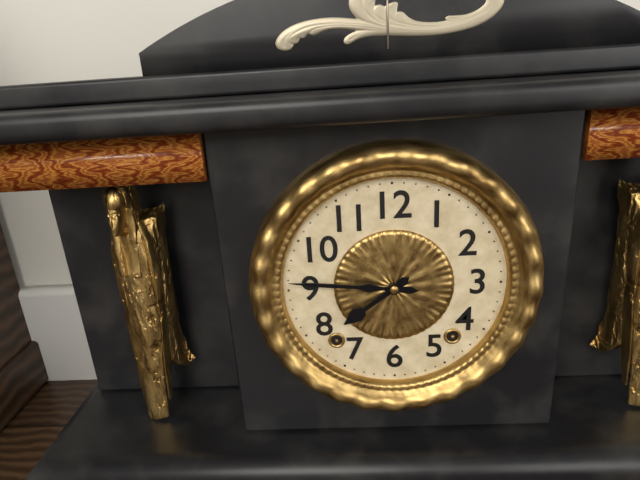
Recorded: h=7 m=46
